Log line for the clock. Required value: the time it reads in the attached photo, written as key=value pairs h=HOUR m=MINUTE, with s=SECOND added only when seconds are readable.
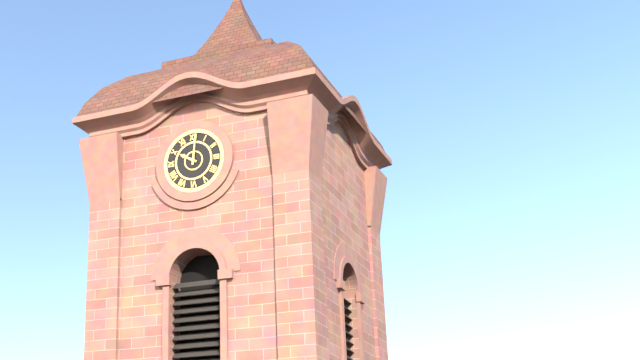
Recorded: h=10 m=1
